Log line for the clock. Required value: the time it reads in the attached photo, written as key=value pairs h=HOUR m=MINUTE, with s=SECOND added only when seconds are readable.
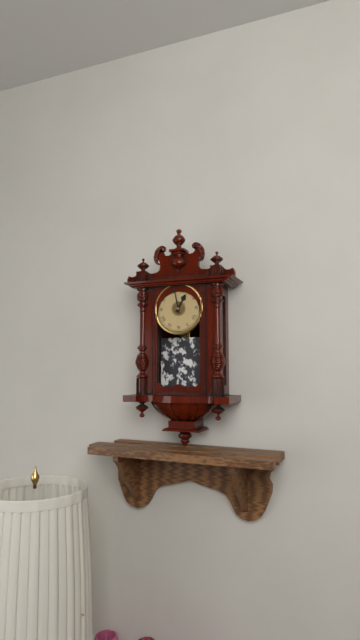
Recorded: h=12 m=58
